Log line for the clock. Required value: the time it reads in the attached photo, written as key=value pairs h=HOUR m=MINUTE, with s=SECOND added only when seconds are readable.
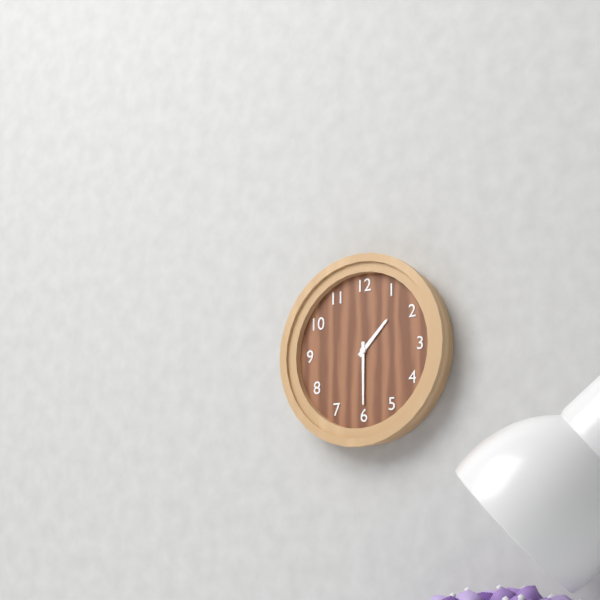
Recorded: h=1 m=30
